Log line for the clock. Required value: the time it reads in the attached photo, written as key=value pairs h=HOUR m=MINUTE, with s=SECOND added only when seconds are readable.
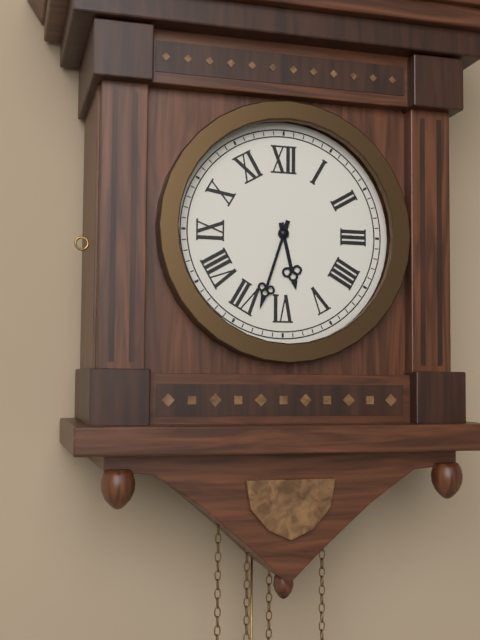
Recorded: h=5 m=33
